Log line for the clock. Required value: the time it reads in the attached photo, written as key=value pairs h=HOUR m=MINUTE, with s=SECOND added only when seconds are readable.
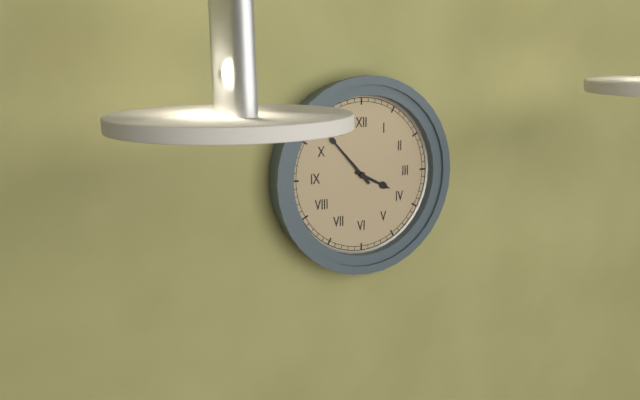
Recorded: h=3 m=53
